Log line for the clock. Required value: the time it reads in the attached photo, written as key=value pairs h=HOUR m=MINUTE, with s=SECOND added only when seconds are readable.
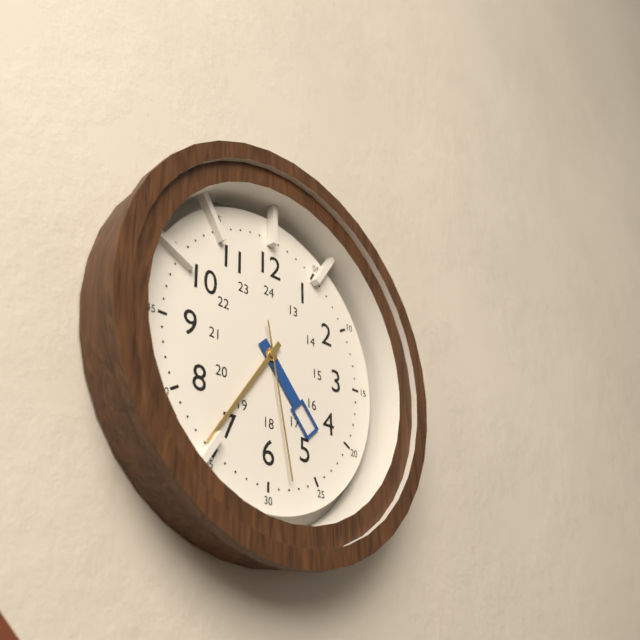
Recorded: h=4 m=36 s=28
